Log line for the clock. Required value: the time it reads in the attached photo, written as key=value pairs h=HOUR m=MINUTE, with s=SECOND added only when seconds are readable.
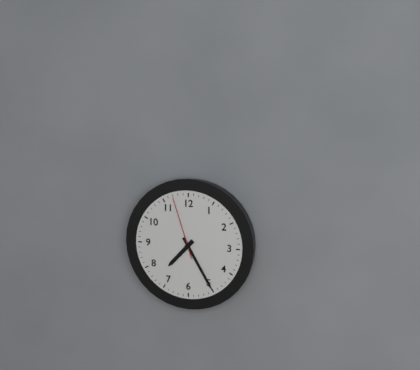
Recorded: h=7 m=25 s=57
